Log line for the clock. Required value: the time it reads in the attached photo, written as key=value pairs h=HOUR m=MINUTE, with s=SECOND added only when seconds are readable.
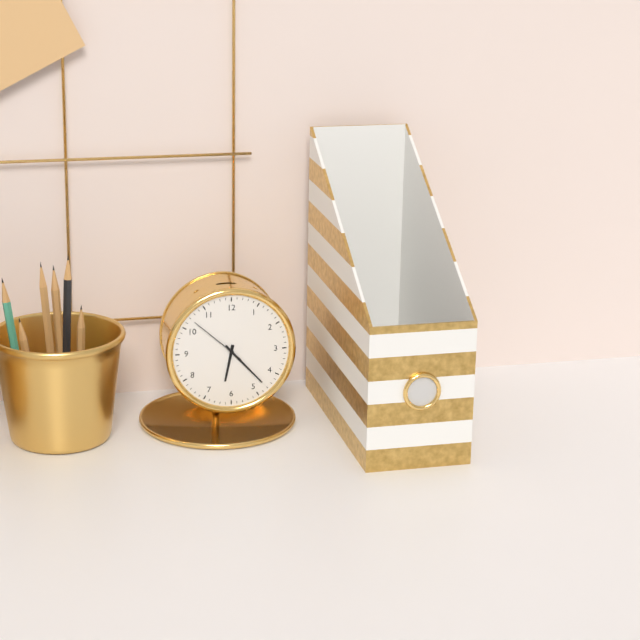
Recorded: h=6 m=23 s=52
